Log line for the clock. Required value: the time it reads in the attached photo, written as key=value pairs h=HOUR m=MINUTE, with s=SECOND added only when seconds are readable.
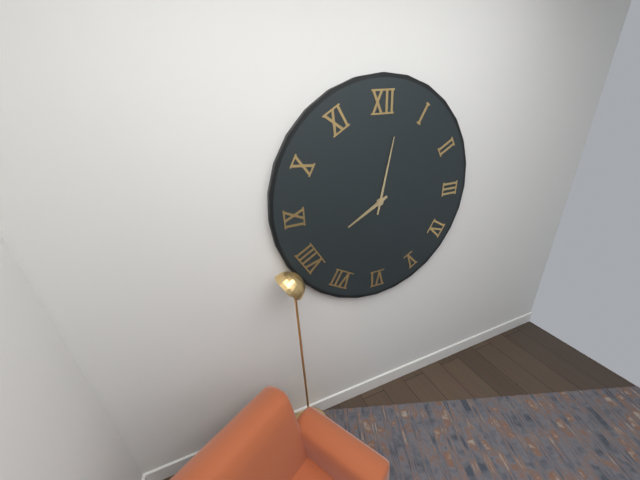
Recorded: h=8 m=2
